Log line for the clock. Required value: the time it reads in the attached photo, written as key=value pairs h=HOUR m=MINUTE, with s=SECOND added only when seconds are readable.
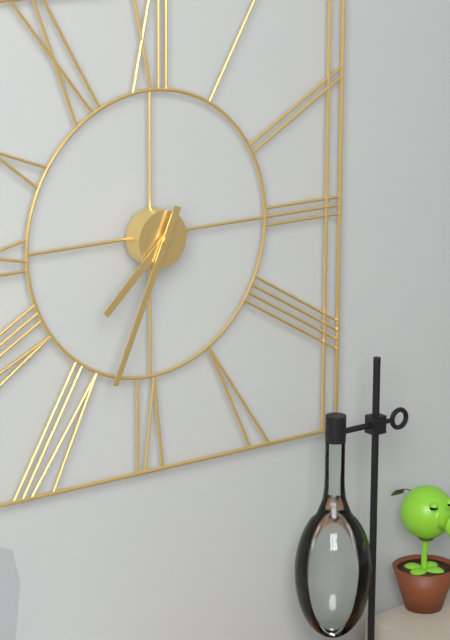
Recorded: h=7 m=34
